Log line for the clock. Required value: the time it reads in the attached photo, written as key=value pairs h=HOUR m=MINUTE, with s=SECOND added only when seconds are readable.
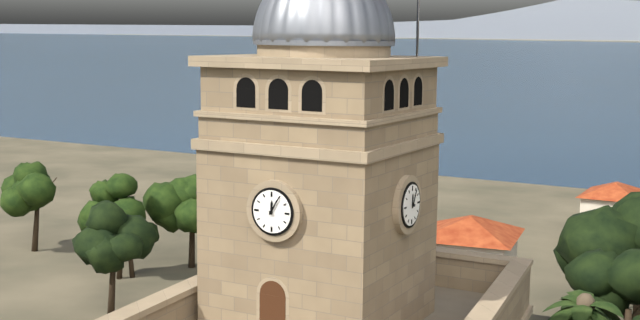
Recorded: h=12 m=5
